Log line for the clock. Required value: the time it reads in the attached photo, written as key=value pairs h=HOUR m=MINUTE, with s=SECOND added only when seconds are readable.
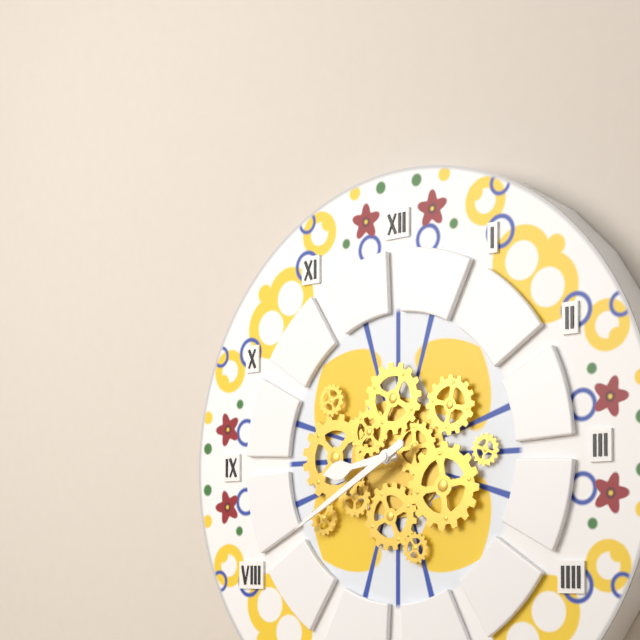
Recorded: h=8 m=40
